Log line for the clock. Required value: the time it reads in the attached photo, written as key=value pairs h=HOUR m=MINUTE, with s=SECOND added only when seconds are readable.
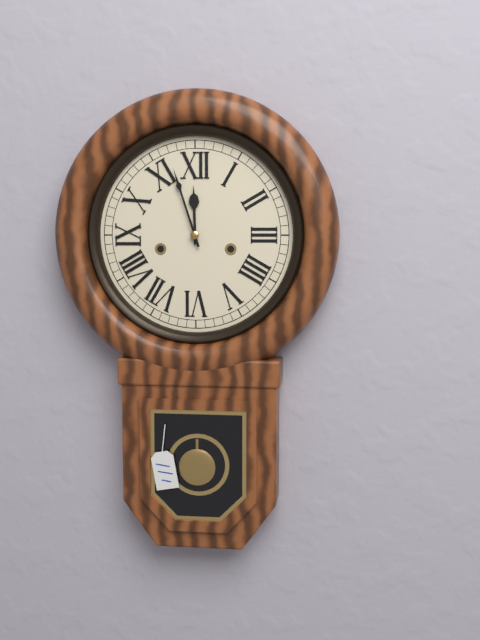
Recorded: h=11 m=57
